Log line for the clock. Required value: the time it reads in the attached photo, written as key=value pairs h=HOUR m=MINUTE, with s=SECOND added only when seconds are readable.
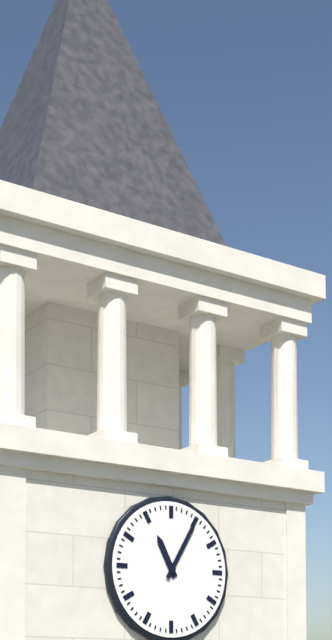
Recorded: h=11 m=5
